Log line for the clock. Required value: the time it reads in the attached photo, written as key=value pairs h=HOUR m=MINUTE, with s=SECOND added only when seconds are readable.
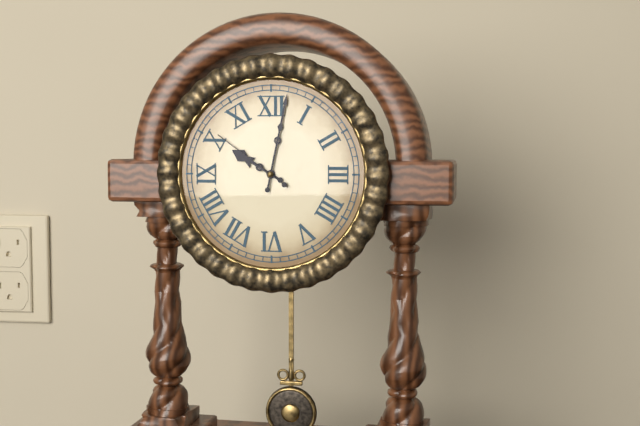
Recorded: h=10 m=2 s=51
